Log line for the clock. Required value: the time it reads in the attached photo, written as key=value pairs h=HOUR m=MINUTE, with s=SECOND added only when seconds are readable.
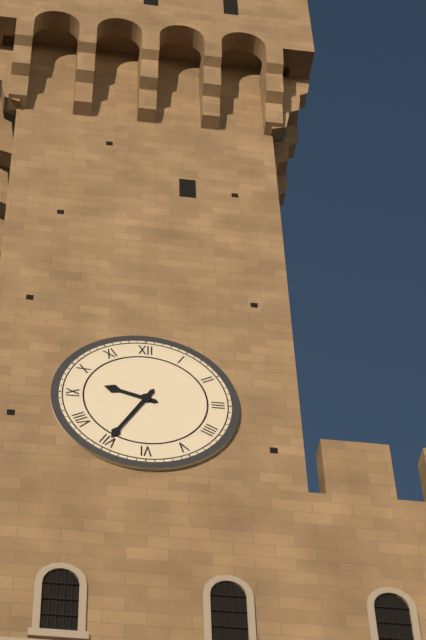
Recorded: h=9 m=35
